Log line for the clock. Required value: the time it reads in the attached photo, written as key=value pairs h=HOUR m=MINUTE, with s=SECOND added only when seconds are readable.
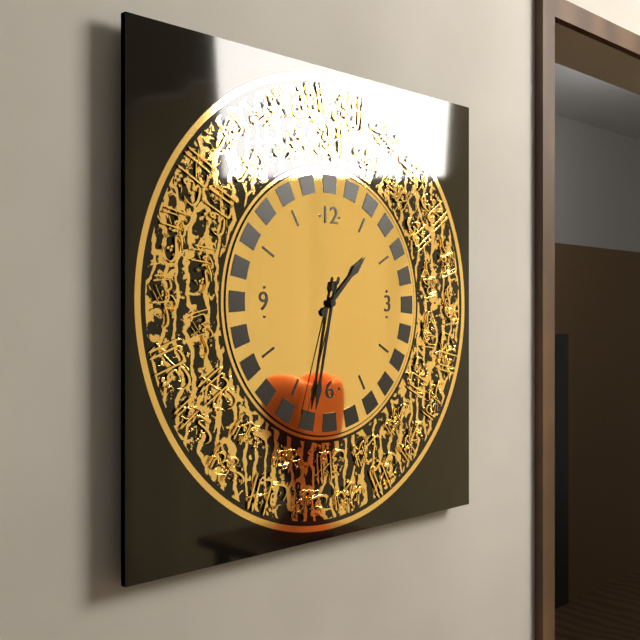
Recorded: h=1 m=32 s=33
